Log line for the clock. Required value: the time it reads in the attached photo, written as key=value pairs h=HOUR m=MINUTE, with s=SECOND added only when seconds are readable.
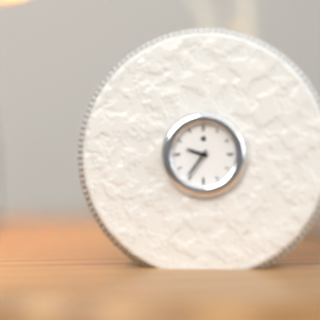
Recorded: h=9 m=36
